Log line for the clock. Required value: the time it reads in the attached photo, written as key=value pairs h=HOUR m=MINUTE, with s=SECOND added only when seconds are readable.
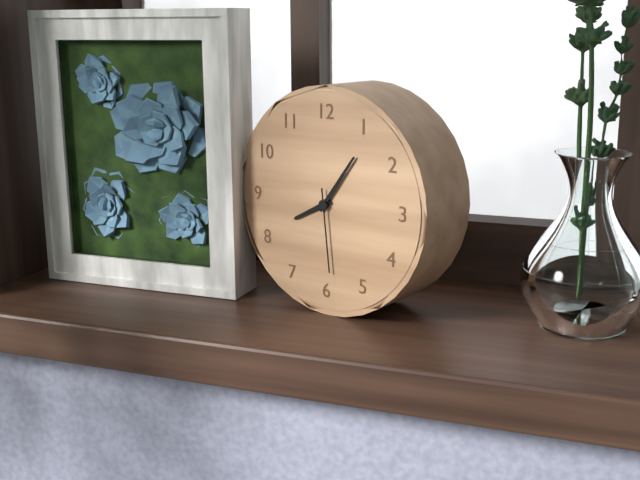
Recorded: h=8 m=6 s=29
